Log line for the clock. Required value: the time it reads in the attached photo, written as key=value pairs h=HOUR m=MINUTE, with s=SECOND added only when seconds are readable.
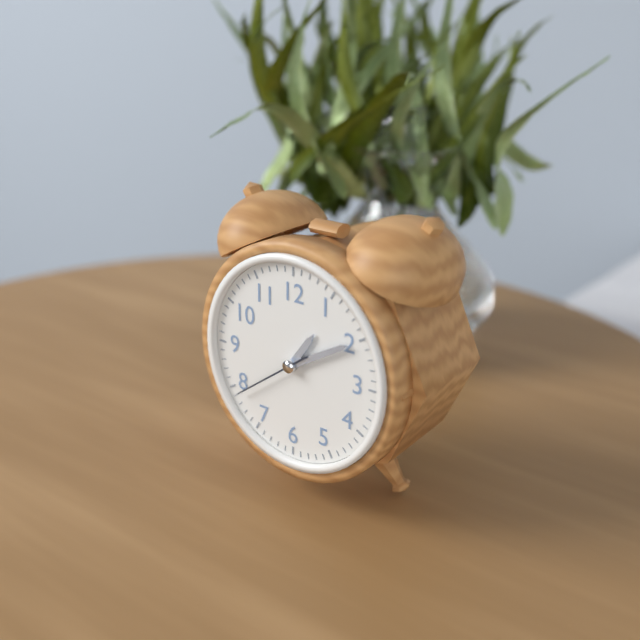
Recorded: h=1 m=10 s=39
